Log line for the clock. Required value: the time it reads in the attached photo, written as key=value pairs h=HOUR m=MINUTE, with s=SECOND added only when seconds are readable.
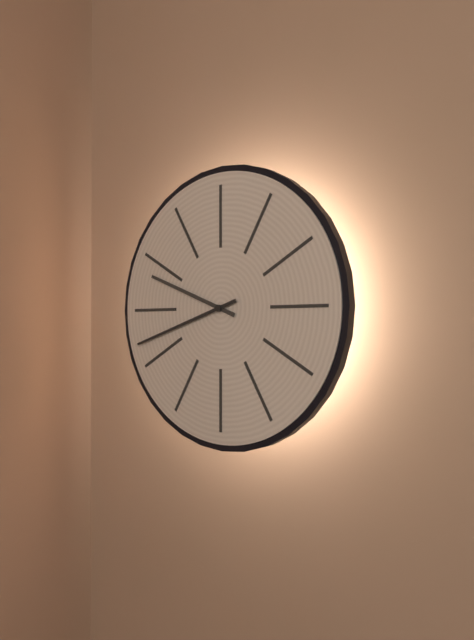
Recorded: h=9 m=42
